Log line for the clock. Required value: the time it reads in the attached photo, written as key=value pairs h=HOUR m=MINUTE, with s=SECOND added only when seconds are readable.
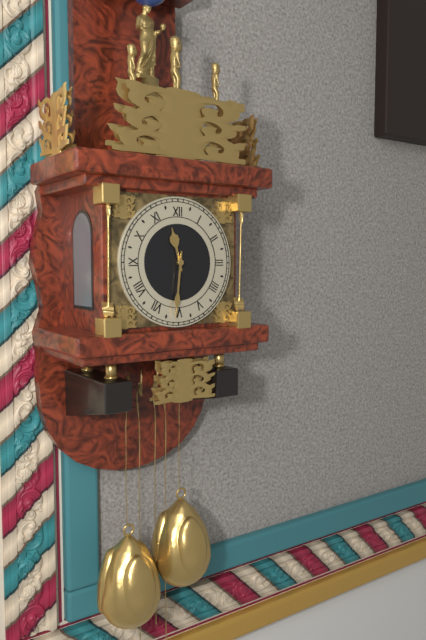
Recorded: h=11 m=31
